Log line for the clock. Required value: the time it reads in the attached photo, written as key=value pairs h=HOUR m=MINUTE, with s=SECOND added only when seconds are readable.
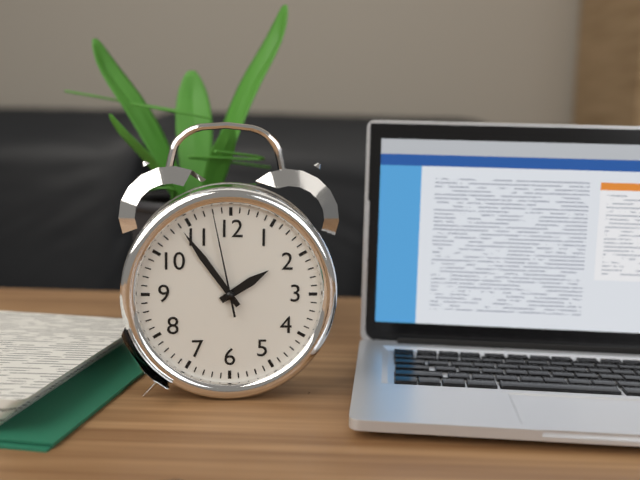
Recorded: h=1 m=54 s=58
